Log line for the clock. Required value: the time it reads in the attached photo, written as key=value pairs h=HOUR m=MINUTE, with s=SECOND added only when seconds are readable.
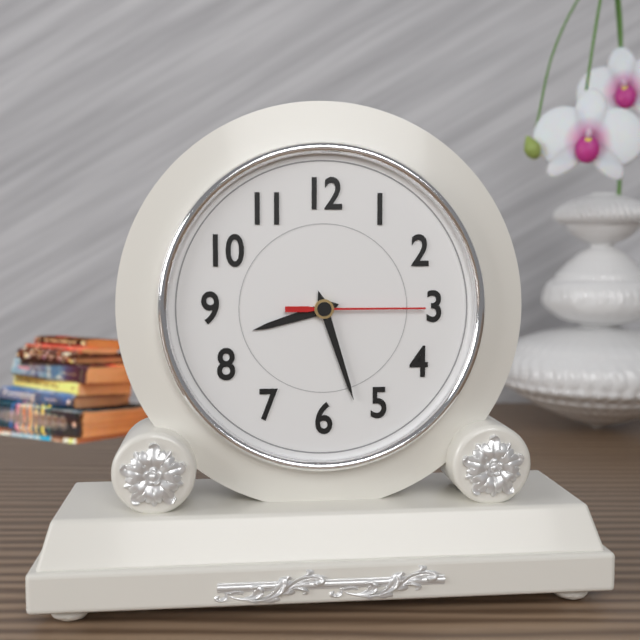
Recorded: h=8 m=27 s=15
